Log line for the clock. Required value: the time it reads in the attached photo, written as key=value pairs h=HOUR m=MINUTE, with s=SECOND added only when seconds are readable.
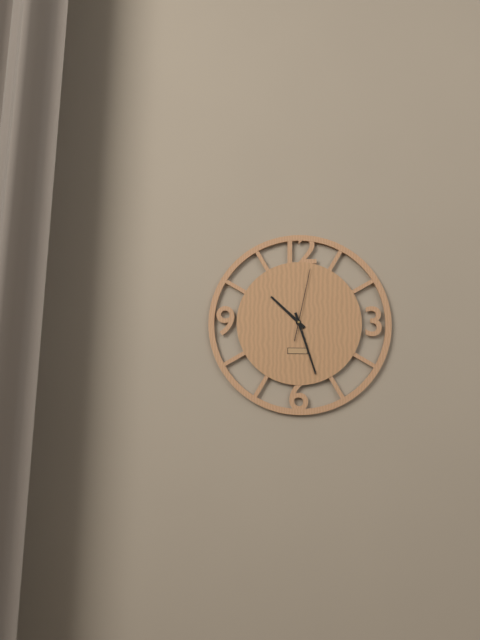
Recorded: h=10 m=27 s=2
